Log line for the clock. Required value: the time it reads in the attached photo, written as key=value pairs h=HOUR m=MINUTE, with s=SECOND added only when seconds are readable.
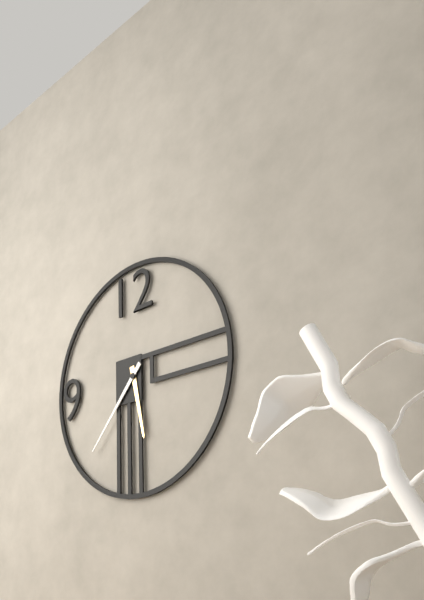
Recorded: h=5 m=37
